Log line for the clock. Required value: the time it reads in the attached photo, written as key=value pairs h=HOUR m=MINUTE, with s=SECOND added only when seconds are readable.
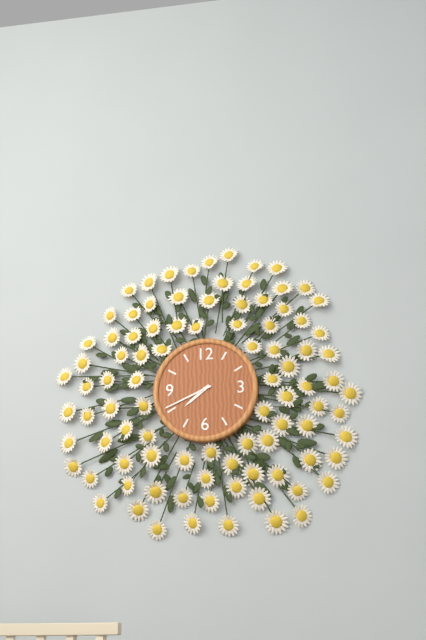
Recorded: h=7 m=41
